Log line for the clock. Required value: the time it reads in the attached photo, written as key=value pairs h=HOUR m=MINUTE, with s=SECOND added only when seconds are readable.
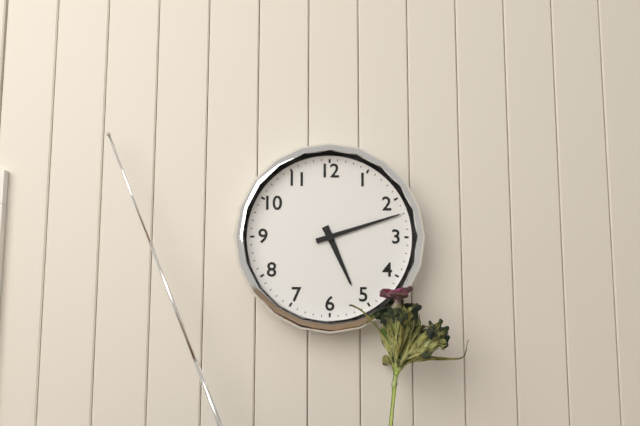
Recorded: h=5 m=12
